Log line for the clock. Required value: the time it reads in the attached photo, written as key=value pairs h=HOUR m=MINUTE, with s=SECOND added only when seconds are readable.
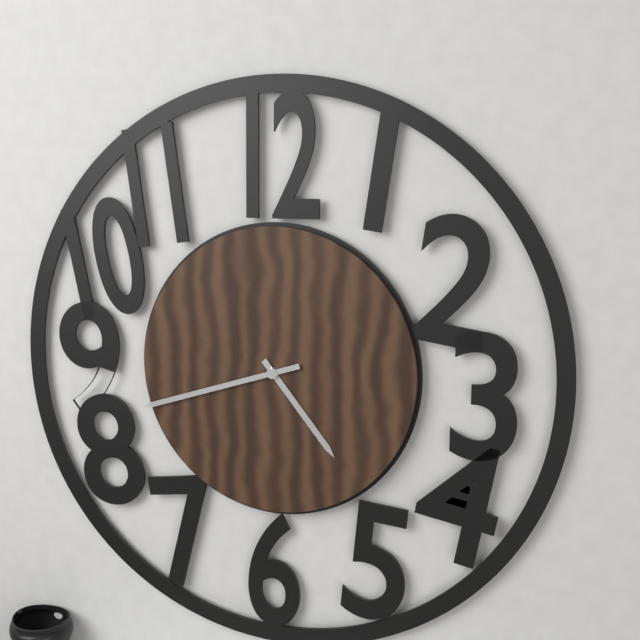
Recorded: h=4 m=42
